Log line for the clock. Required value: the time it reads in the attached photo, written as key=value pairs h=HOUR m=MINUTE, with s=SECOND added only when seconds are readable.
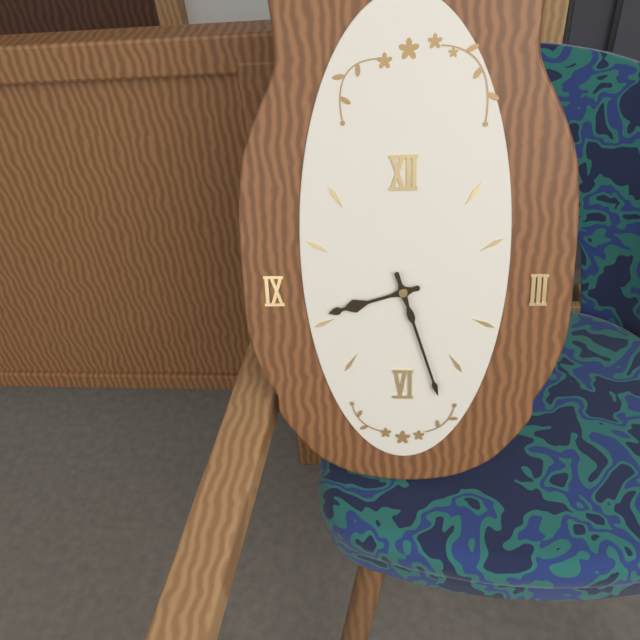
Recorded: h=8 m=27
